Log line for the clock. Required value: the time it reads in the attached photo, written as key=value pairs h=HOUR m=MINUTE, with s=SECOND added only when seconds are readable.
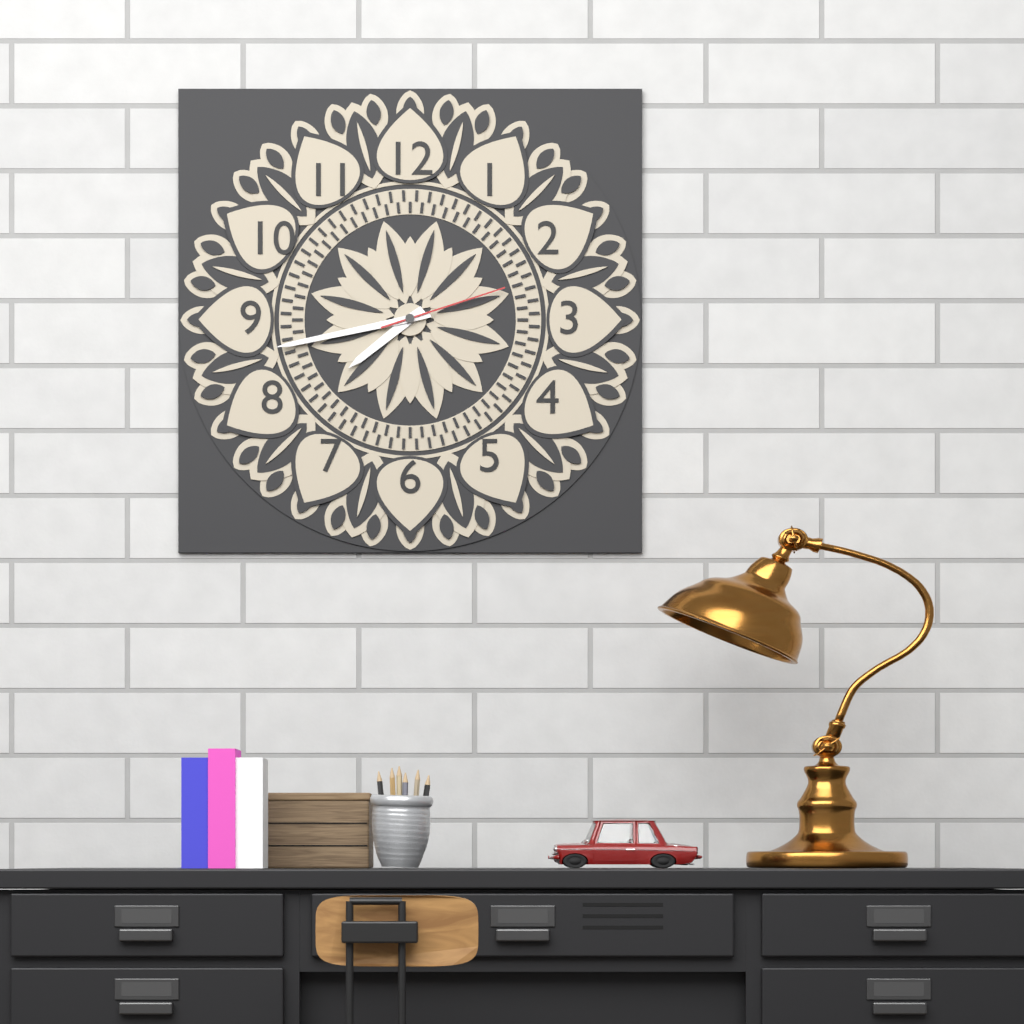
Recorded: h=7 m=43 s=12
